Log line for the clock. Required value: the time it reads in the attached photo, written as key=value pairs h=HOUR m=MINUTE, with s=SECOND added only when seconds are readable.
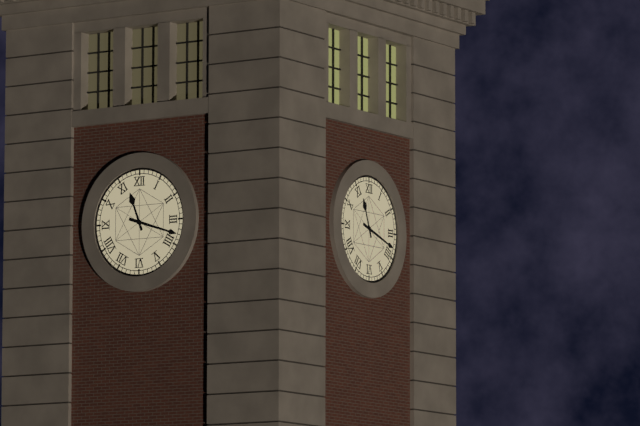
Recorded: h=11 m=18
